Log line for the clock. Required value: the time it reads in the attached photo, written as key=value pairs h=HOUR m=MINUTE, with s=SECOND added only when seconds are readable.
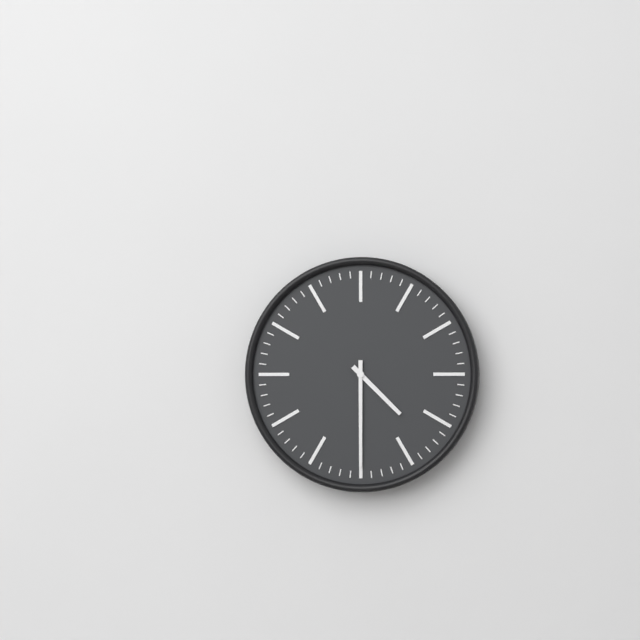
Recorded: h=4 m=30
